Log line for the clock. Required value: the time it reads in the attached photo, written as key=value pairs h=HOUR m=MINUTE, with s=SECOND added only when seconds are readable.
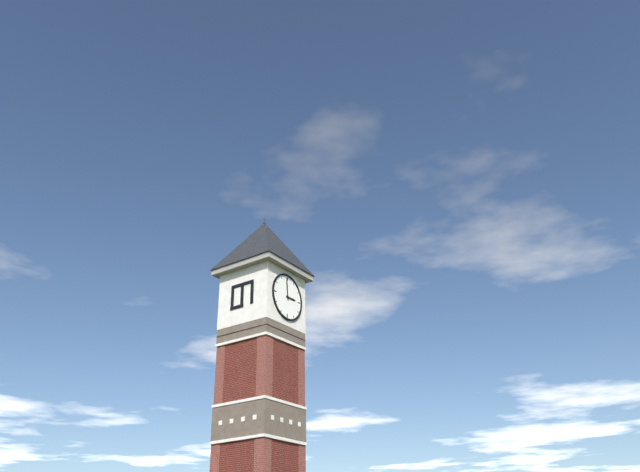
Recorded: h=2 m=59
